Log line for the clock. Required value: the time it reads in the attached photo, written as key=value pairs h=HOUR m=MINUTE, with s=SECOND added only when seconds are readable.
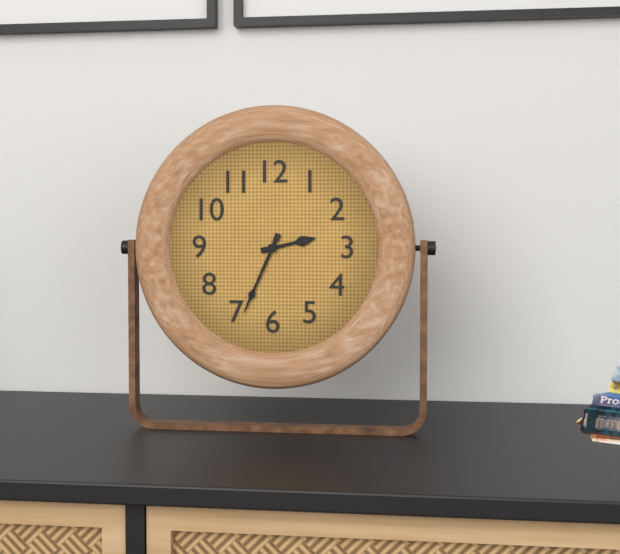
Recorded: h=2 m=34
